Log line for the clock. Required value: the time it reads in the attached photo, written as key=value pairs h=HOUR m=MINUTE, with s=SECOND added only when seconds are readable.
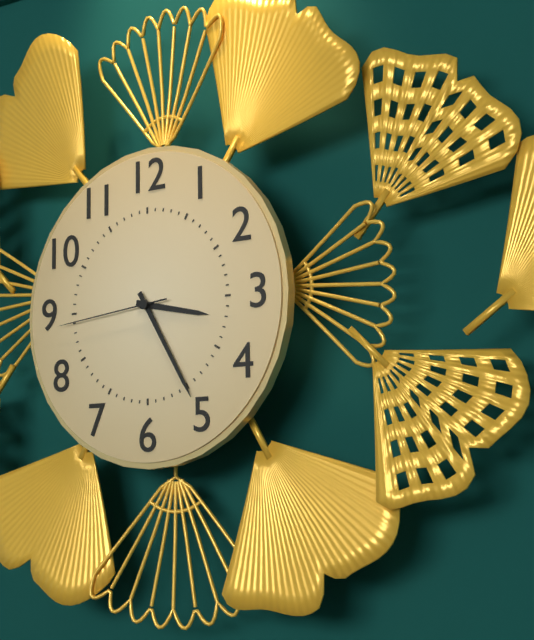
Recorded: h=3 m=25 s=44
